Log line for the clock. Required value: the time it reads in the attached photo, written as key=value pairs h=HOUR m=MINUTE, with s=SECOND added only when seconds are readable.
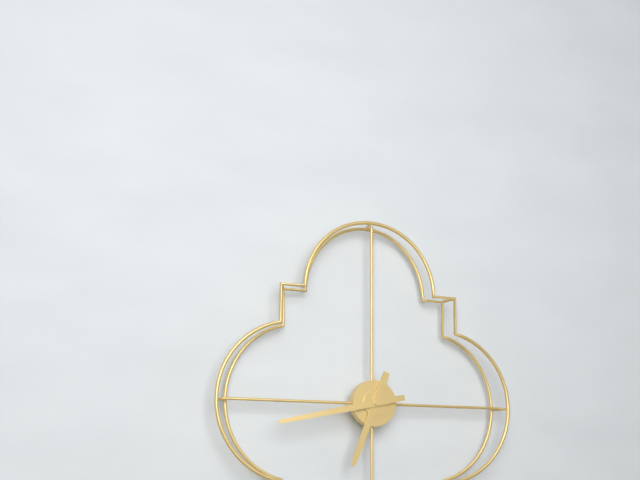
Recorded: h=6 m=43
